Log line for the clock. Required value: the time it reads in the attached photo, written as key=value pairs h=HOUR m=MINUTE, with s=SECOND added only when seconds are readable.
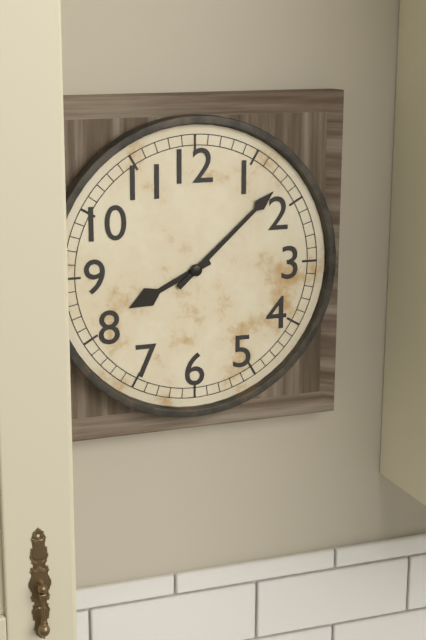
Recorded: h=8 m=8
